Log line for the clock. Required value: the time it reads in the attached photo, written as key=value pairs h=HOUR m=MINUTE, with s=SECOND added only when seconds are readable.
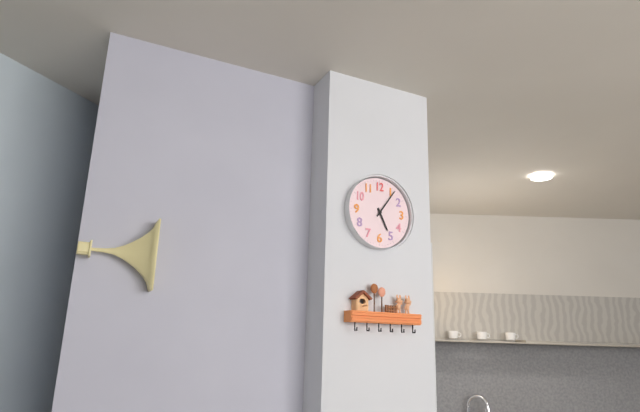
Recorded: h=5 m=6
